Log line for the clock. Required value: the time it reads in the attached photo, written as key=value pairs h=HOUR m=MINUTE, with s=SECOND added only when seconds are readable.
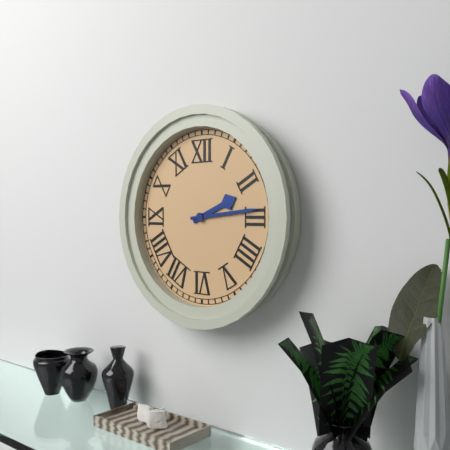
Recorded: h=2 m=14
